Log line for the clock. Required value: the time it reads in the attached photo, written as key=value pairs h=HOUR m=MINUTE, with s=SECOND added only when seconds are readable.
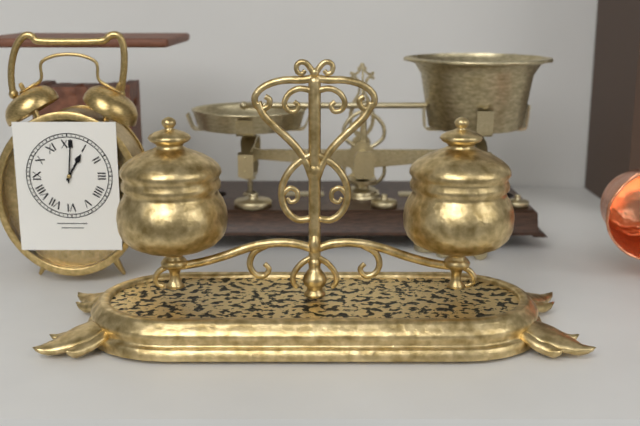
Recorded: h=1 m=1
